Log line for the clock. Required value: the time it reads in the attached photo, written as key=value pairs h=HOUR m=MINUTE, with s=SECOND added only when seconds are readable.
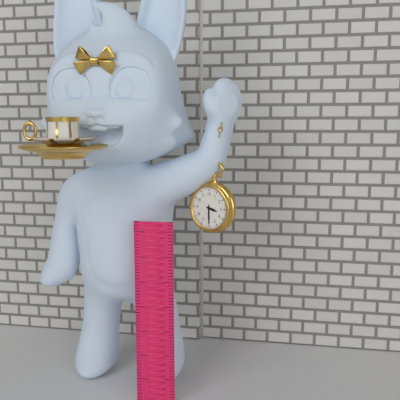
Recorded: h=3 m=30
